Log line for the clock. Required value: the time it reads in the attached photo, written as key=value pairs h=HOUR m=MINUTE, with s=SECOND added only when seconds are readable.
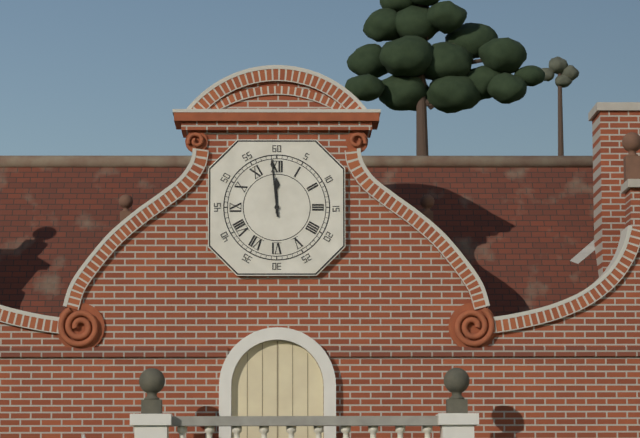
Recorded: h=11 m=59
